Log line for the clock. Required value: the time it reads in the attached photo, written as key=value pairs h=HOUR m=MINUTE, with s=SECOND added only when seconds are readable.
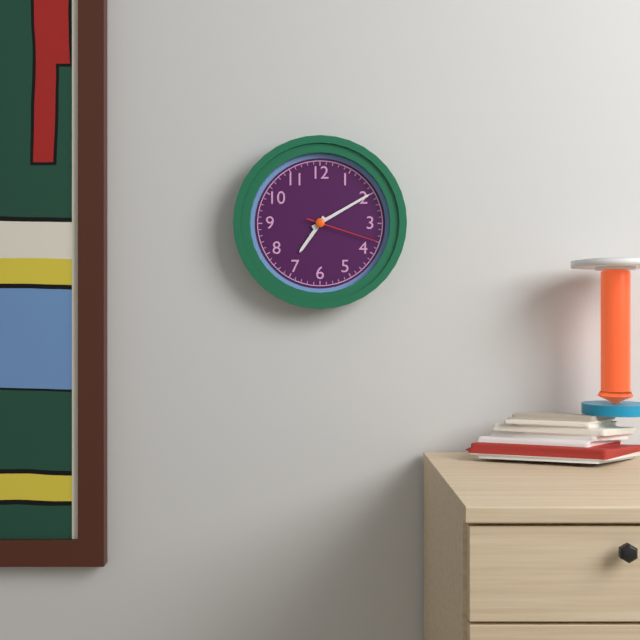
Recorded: h=7 m=10 s=18
